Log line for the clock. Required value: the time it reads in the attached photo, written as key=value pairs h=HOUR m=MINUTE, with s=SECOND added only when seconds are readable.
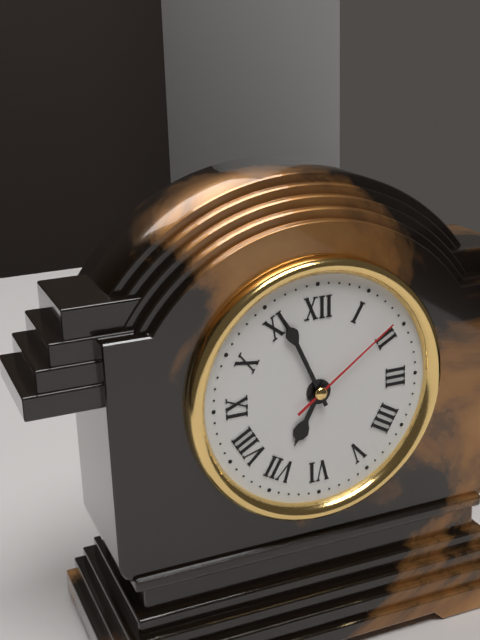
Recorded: h=6 m=56 s=9
